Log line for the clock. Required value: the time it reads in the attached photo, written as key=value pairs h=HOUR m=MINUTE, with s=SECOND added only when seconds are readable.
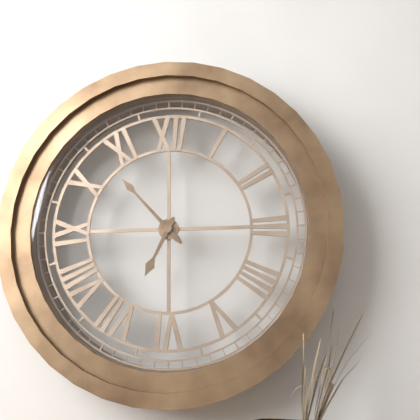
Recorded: h=6 m=53
